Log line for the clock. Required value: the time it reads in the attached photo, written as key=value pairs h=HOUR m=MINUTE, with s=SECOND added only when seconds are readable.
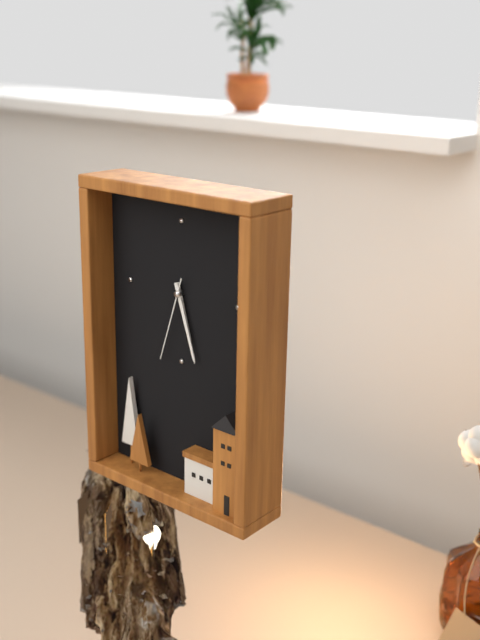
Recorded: h=5 m=27 s=33
